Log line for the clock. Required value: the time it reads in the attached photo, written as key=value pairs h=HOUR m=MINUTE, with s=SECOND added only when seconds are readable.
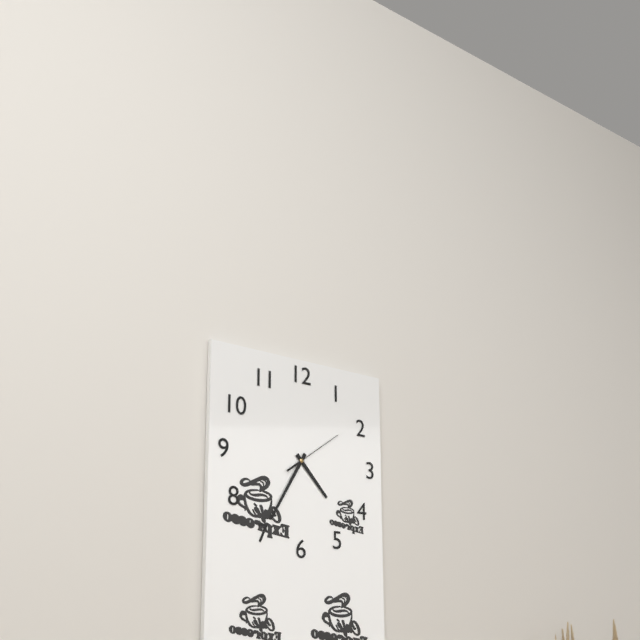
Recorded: h=4 m=35 s=9
